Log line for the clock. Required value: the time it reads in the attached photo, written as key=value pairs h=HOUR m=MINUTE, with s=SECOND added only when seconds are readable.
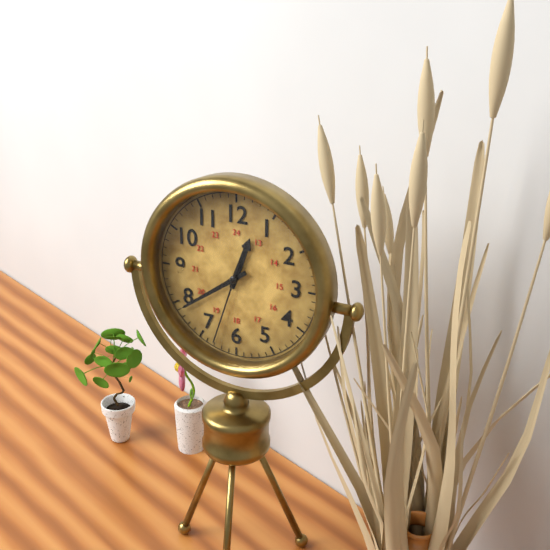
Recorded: h=12 m=39 s=33
